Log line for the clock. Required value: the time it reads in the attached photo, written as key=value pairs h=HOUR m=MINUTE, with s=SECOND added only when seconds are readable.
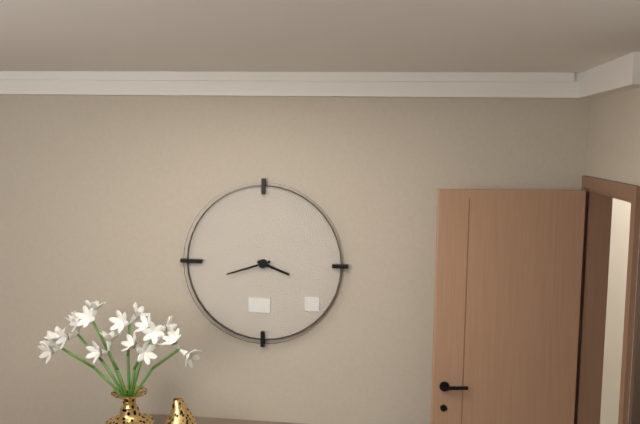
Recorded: h=3 m=42
